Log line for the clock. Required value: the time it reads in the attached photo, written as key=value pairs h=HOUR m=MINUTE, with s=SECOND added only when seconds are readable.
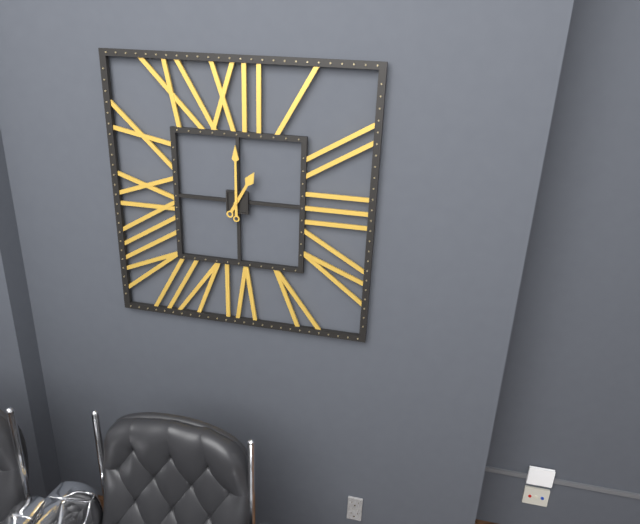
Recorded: h=1 m=0
